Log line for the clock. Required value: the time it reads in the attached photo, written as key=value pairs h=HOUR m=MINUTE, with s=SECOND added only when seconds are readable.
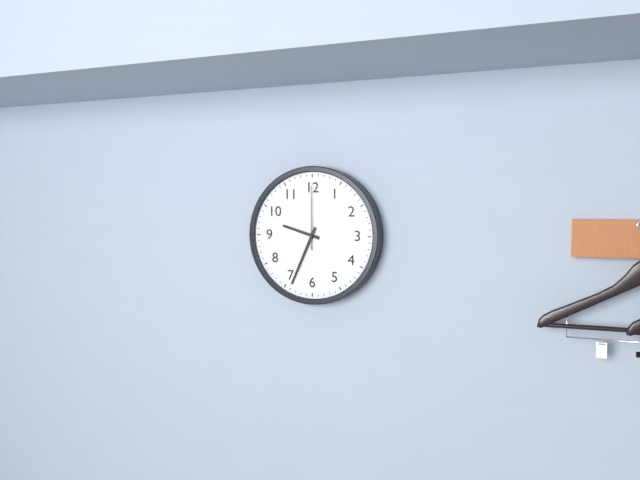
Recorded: h=9 m=34 s=0
